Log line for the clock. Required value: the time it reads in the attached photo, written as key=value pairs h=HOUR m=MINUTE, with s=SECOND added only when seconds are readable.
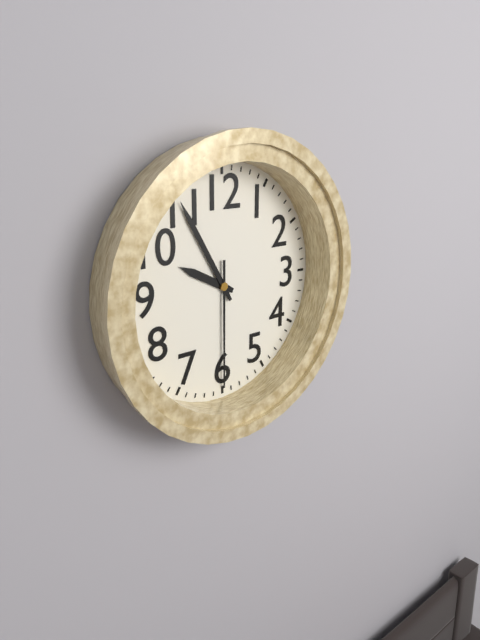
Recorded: h=9 m=55 s=30
